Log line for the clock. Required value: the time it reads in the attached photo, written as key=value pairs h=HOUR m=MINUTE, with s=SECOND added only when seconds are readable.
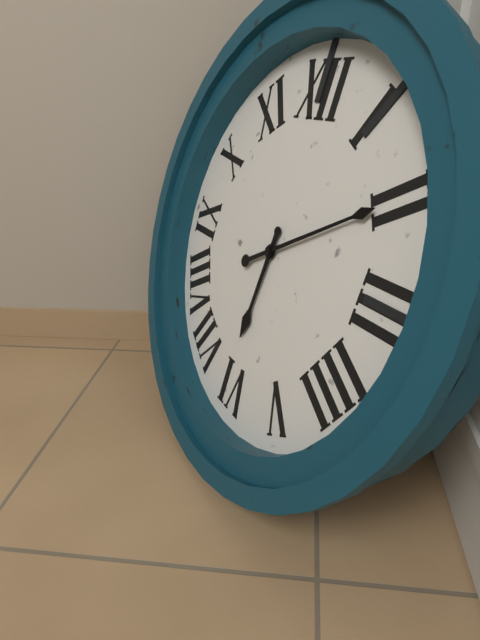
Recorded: h=6 m=10
